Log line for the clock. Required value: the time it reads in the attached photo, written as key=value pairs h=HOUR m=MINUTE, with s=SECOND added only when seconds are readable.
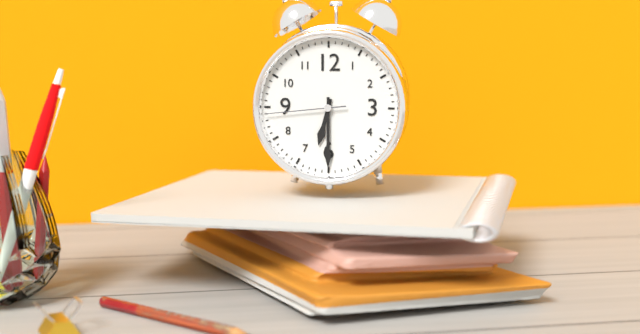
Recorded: h=6 m=30 s=44
